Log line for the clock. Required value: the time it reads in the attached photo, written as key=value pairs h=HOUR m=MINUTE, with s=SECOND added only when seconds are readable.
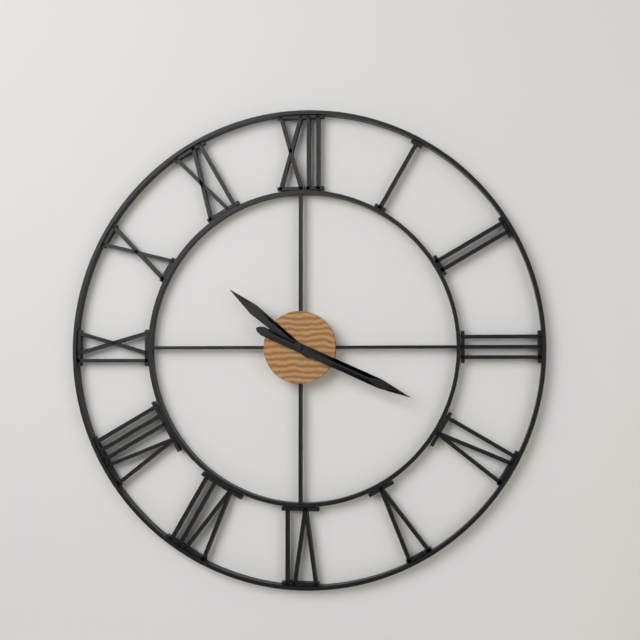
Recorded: h=10 m=19
